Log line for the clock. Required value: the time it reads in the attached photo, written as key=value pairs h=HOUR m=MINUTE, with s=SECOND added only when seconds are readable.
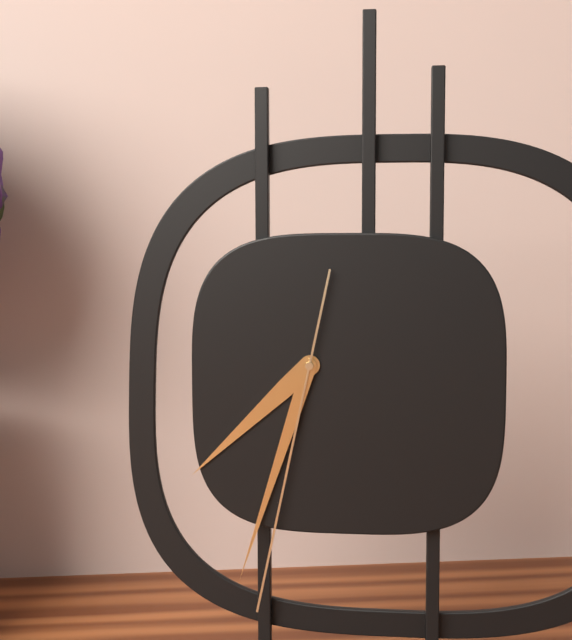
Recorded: h=7 m=33 s=32
